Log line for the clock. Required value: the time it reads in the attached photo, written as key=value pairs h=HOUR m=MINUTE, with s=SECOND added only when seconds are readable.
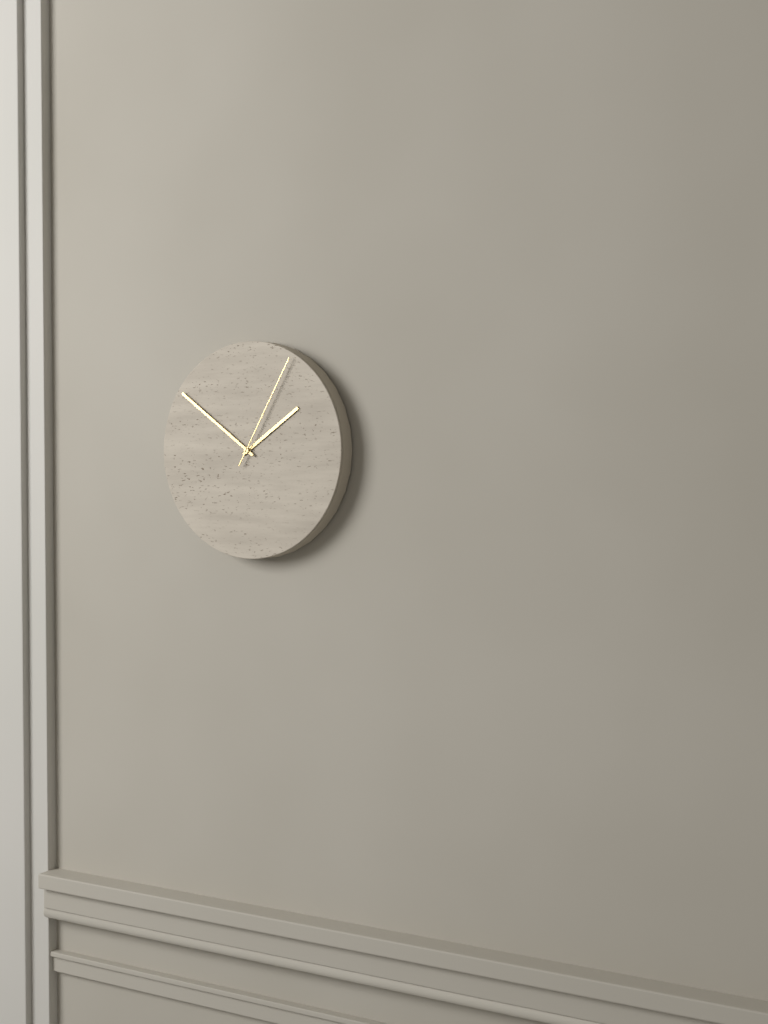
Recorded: h=1 m=51 s=5
